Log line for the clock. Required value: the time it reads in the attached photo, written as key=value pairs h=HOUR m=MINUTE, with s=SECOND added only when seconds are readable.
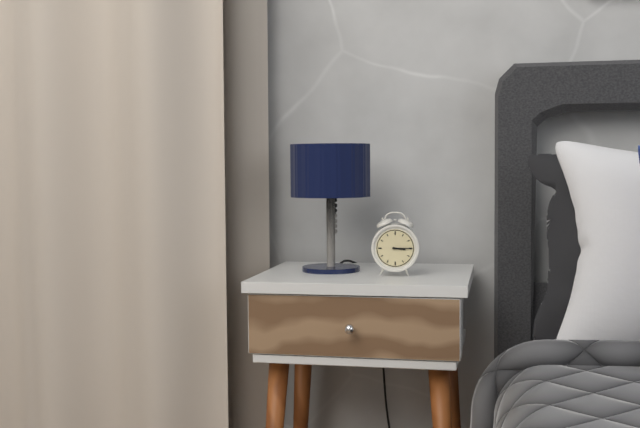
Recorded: h=3 m=15
